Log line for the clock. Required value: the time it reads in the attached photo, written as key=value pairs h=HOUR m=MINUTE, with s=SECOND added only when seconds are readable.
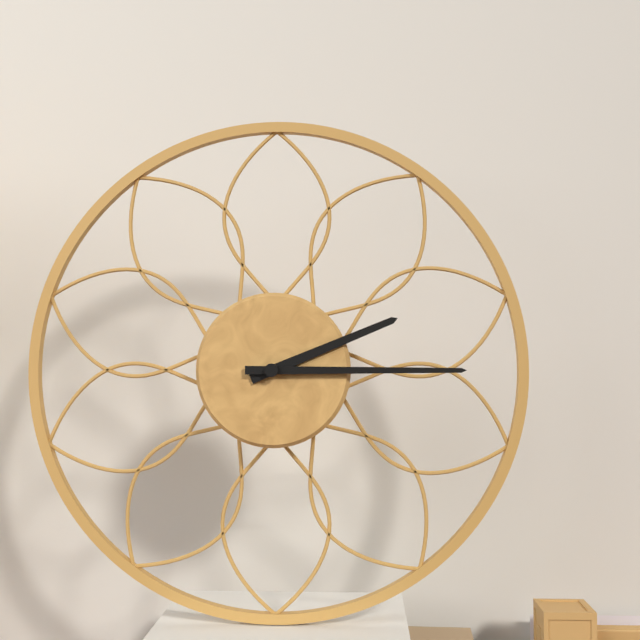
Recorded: h=2 m=15
